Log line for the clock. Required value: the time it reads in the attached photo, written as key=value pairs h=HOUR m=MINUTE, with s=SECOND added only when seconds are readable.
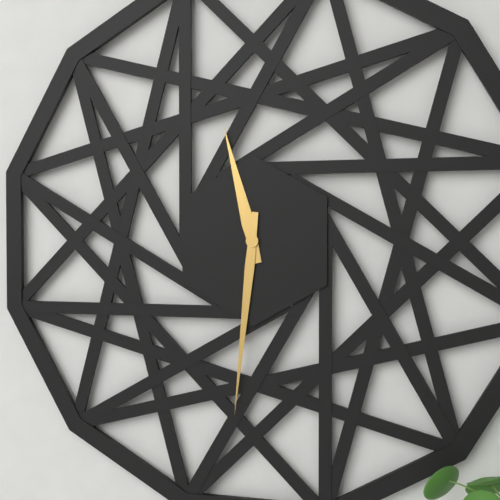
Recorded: h=11 m=31
